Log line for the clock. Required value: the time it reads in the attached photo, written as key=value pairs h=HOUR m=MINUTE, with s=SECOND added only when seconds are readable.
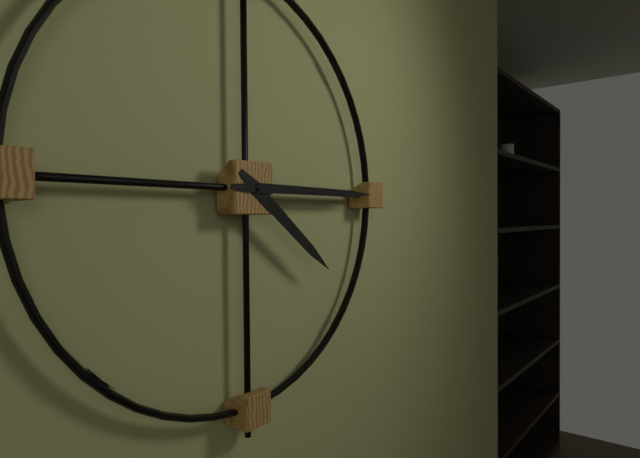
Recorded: h=4 m=15
